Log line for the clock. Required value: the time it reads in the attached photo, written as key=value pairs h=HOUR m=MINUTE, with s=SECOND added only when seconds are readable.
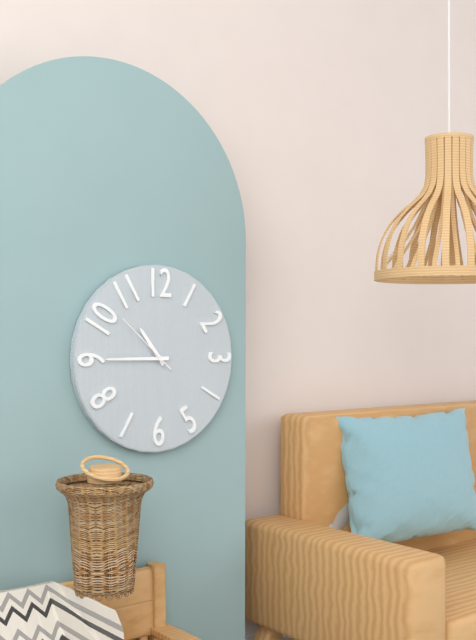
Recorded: h=10 m=45 s=52
